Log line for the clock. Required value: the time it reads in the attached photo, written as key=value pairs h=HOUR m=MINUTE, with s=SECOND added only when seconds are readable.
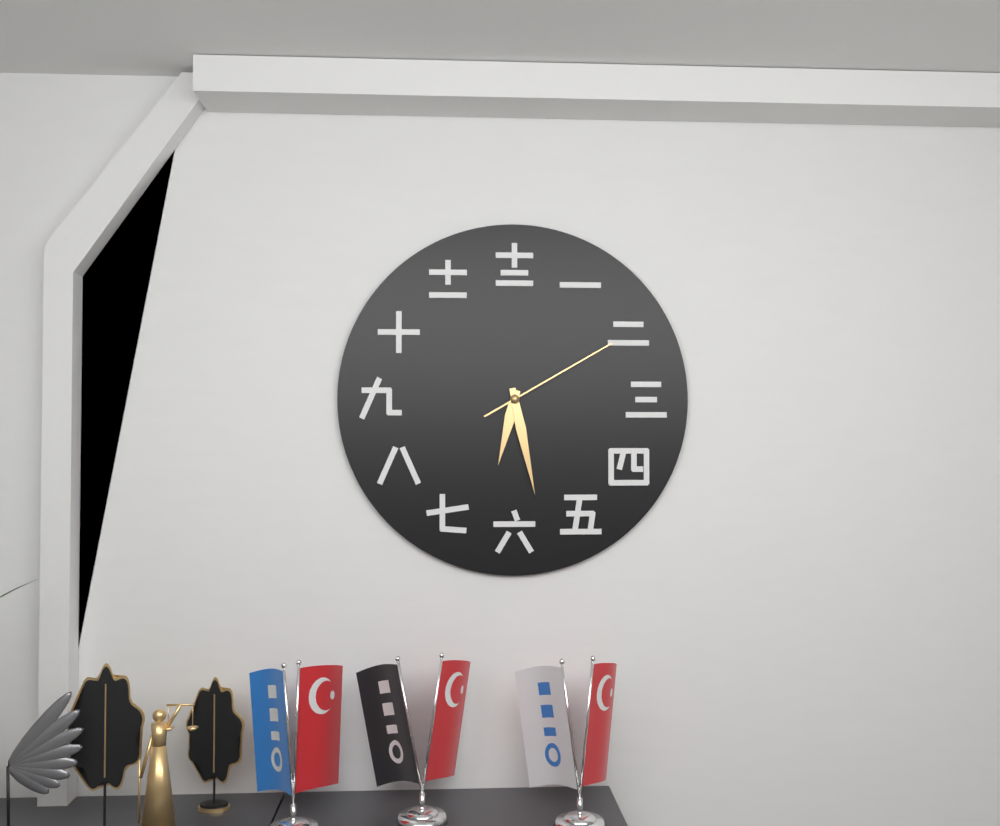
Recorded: h=6 m=28 s=10
